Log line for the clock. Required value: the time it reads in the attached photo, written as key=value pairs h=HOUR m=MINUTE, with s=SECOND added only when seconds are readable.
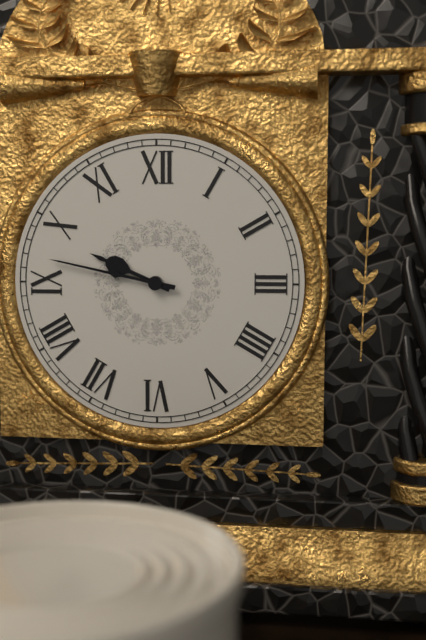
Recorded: h=9 m=47
